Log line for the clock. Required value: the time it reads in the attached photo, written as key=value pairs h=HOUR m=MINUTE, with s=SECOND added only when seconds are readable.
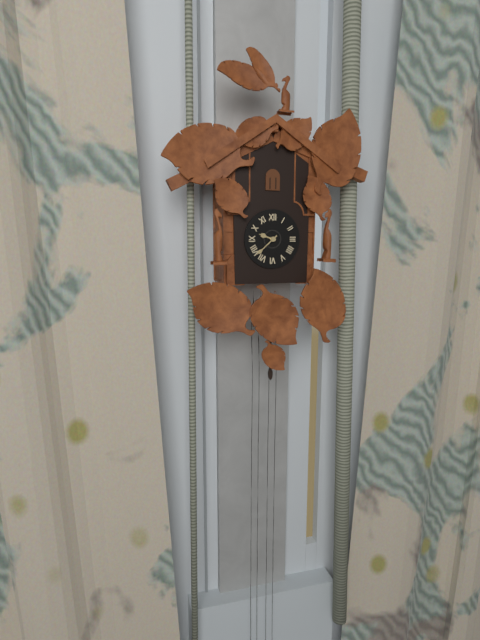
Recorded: h=9 m=38
